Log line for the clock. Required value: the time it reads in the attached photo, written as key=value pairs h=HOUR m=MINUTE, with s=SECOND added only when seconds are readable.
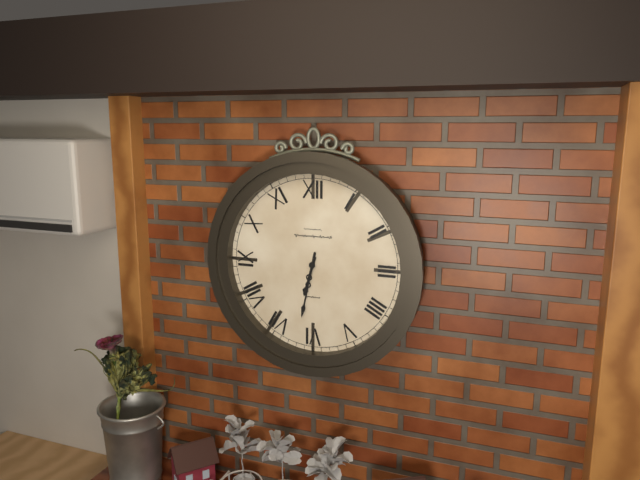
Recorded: h=6 m=32
